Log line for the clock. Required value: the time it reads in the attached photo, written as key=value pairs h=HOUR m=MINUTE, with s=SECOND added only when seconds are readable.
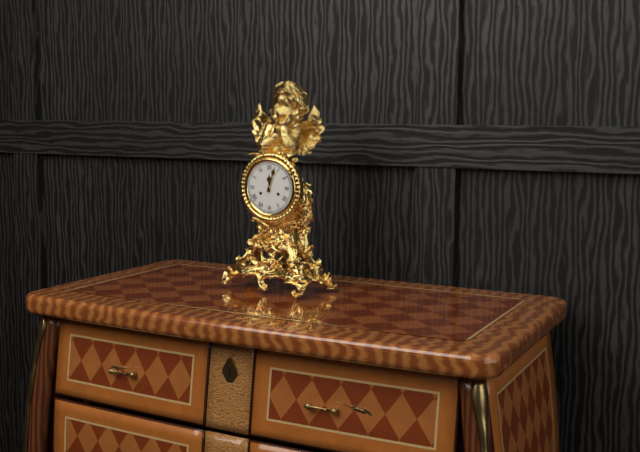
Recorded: h=12 m=3
